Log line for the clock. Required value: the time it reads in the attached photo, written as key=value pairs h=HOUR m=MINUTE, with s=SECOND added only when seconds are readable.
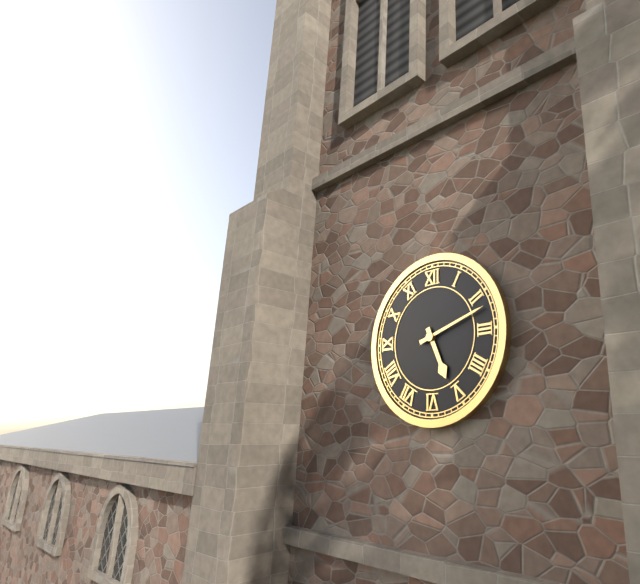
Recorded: h=5 m=12
